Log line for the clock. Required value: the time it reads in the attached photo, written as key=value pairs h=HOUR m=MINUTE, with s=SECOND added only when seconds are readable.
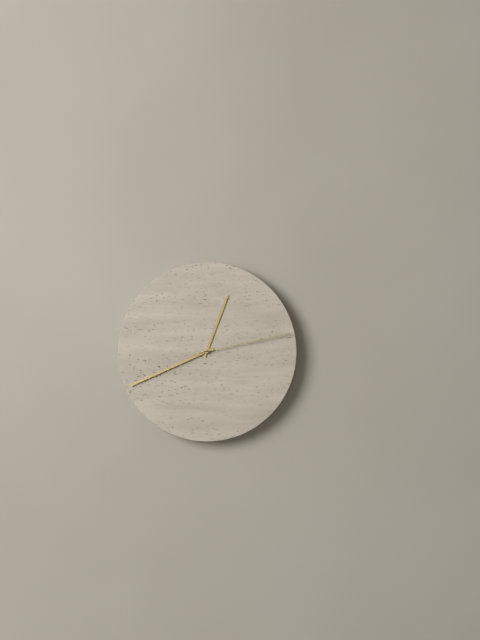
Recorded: h=12 m=41 s=13
